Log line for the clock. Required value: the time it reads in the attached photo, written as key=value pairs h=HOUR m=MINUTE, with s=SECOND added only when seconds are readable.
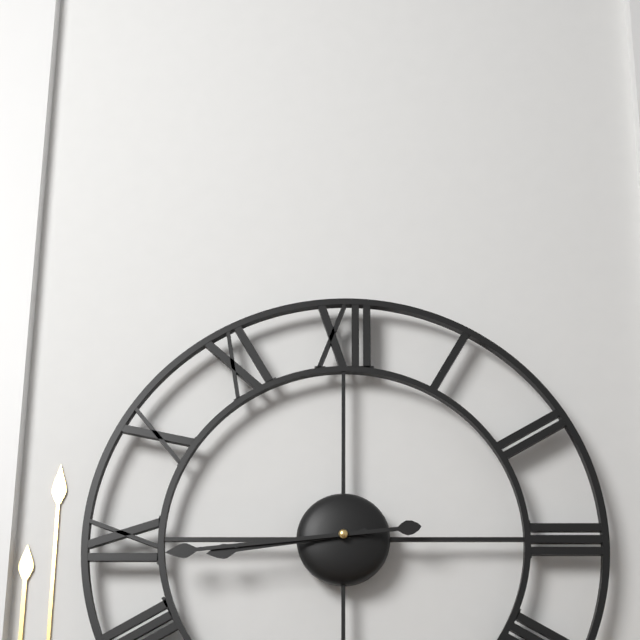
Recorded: h=8 m=44
